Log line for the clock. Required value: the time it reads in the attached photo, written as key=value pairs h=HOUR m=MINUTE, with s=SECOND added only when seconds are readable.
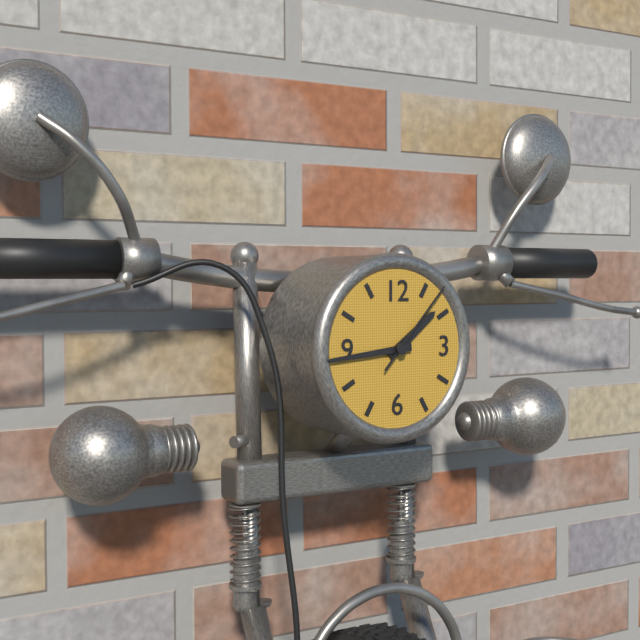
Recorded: h=1 m=44 s=7
